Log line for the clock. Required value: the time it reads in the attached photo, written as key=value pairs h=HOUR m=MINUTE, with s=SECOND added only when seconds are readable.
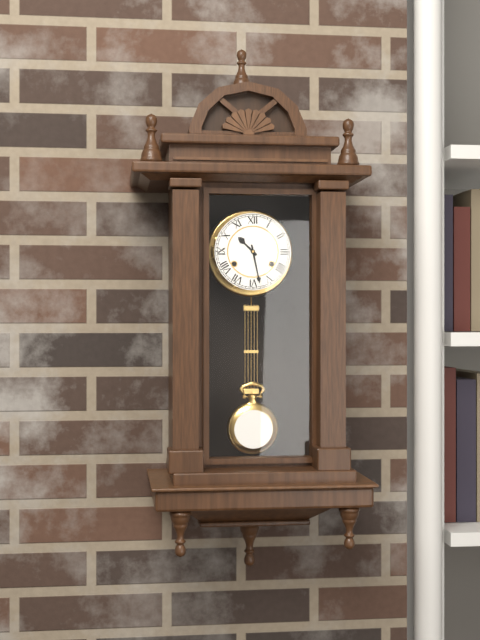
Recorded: h=10 m=28
